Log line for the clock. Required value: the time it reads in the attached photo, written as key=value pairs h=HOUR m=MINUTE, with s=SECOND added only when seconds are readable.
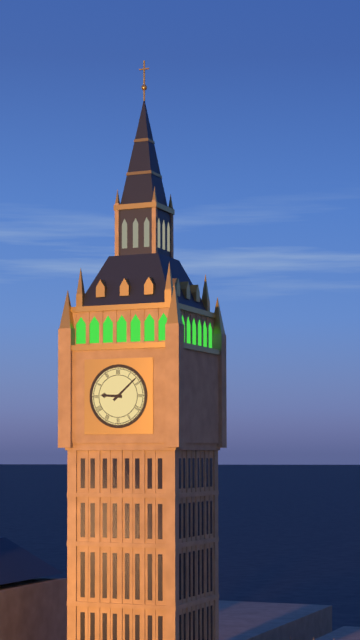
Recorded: h=9 m=8
